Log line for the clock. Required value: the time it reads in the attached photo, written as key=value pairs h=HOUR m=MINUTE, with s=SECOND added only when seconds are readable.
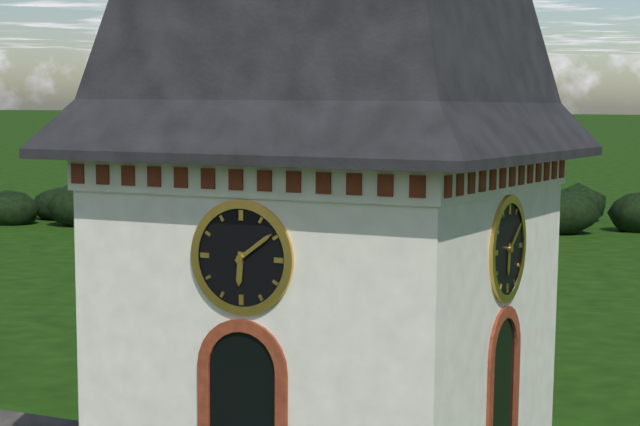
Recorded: h=6 m=9
